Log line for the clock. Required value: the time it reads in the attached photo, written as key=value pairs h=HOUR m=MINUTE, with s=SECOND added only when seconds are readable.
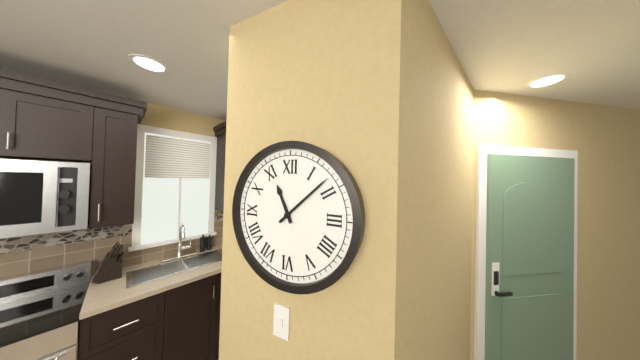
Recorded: h=11 m=8
